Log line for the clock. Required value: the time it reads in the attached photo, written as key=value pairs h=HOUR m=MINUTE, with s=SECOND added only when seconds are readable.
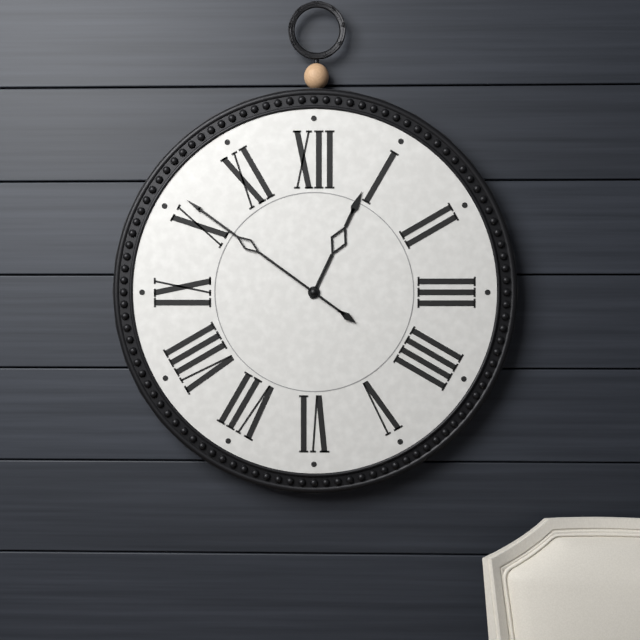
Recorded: h=12 m=51
